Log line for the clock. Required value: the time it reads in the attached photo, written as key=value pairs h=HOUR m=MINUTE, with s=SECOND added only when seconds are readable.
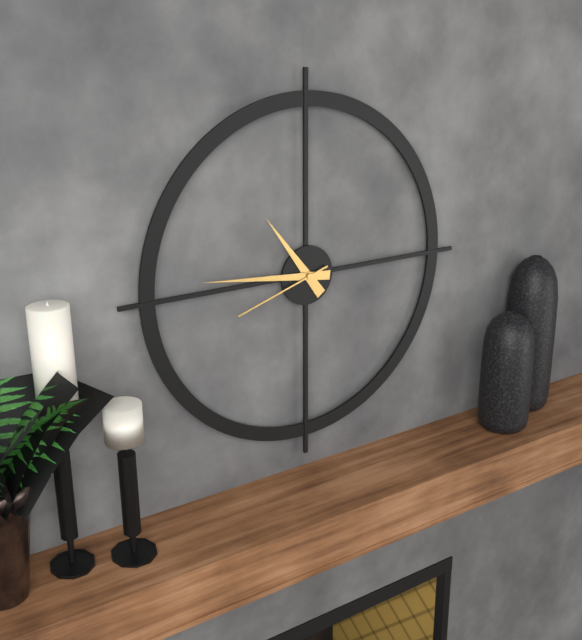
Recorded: h=10 m=46 s=42
